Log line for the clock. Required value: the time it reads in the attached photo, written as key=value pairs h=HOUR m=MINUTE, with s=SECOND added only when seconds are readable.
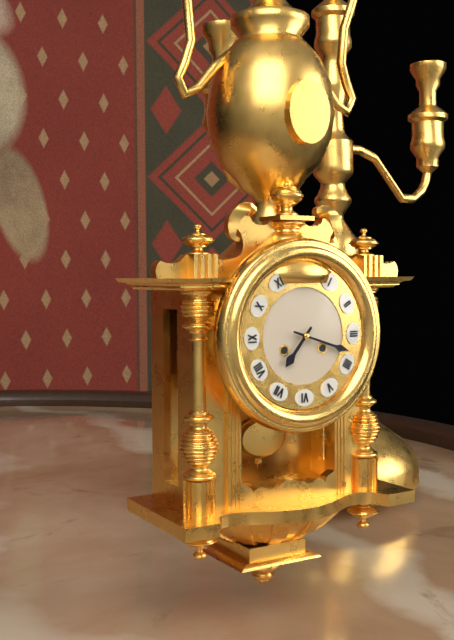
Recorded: h=7 m=18
